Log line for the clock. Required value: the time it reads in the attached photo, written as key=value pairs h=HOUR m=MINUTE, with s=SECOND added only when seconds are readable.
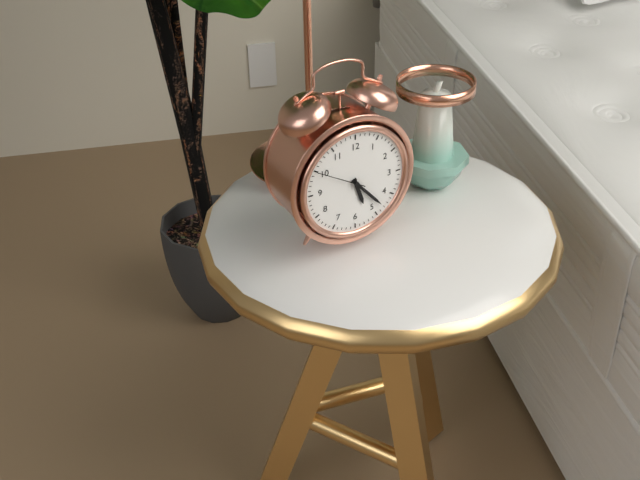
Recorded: h=5 m=23 s=50
